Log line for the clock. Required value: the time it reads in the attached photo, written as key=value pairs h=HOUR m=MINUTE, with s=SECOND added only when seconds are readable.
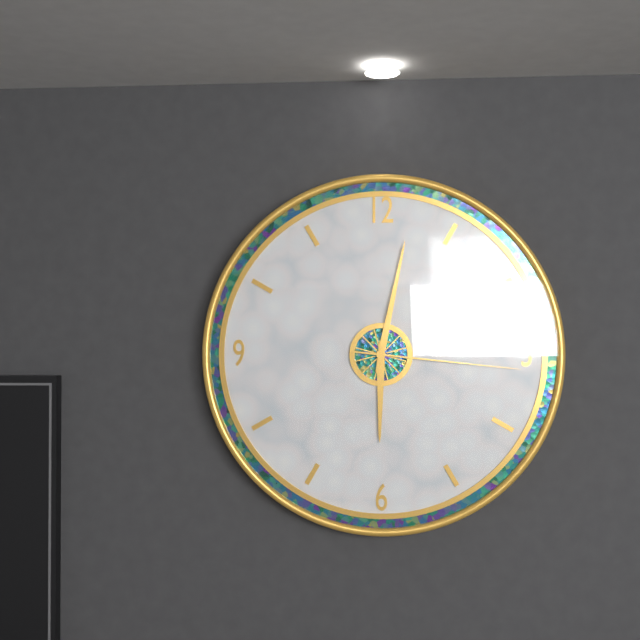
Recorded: h=6 m=2 s=16
